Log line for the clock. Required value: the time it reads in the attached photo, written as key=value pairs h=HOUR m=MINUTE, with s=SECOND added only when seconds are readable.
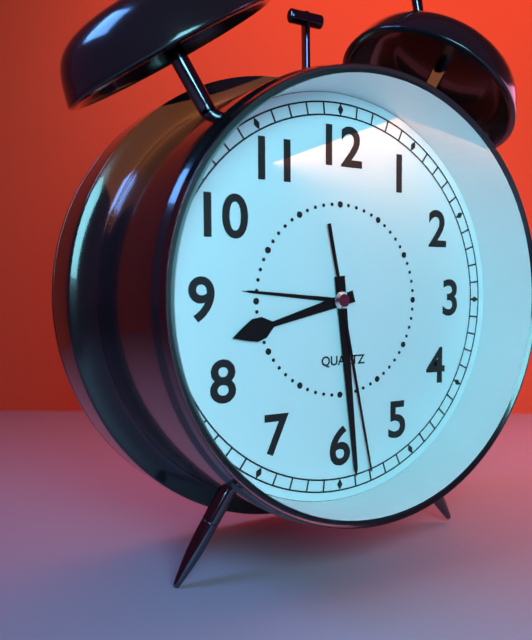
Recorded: h=8 m=29 s=28
